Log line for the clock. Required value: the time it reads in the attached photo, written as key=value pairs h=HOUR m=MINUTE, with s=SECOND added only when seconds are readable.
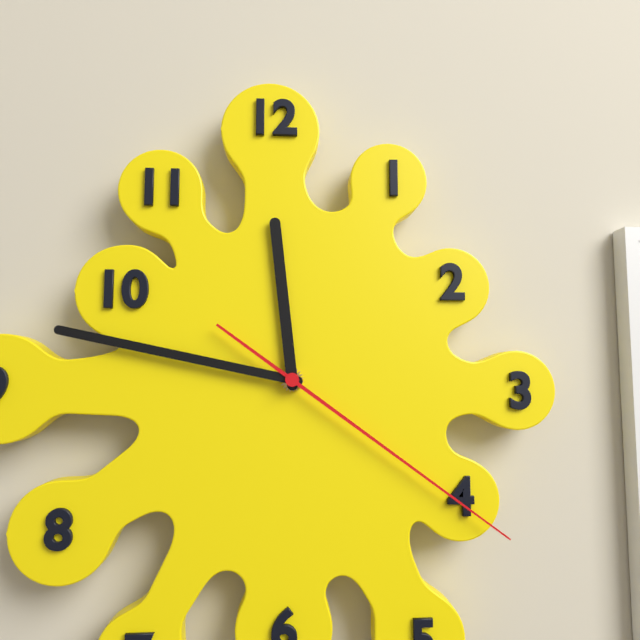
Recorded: h=11 m=47 s=21
